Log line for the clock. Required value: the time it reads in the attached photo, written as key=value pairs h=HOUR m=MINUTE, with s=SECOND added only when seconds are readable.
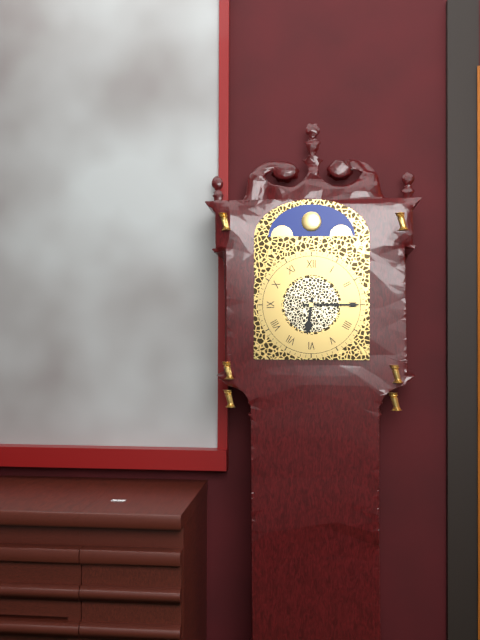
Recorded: h=6 m=15
